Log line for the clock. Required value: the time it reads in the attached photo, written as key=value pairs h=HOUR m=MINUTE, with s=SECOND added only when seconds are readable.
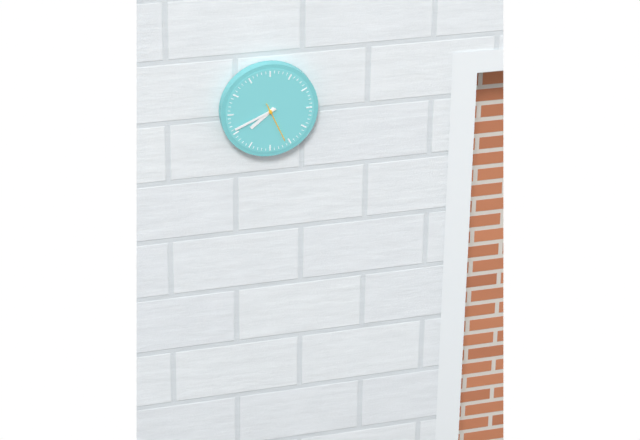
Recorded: h=7 m=41
